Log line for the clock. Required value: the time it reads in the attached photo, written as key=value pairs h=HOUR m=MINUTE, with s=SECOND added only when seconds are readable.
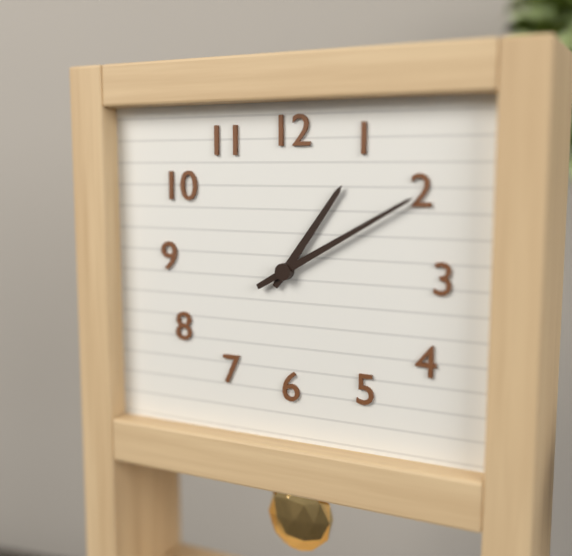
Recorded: h=1 m=10
